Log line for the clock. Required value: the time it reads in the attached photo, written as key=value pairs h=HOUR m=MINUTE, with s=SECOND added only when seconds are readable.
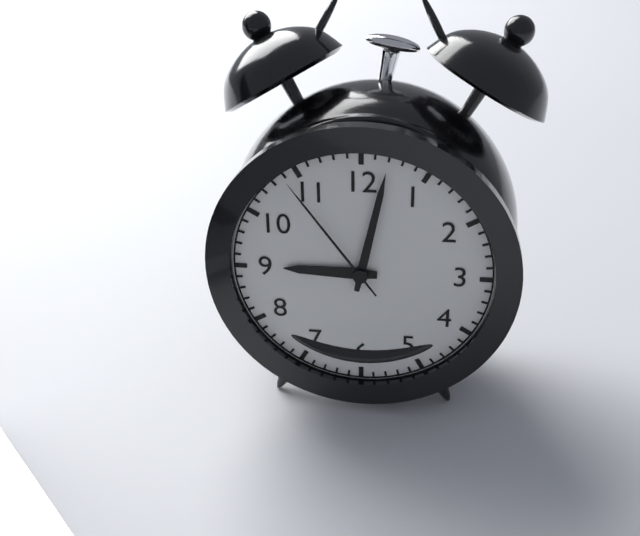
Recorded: h=9 m=2 s=54
